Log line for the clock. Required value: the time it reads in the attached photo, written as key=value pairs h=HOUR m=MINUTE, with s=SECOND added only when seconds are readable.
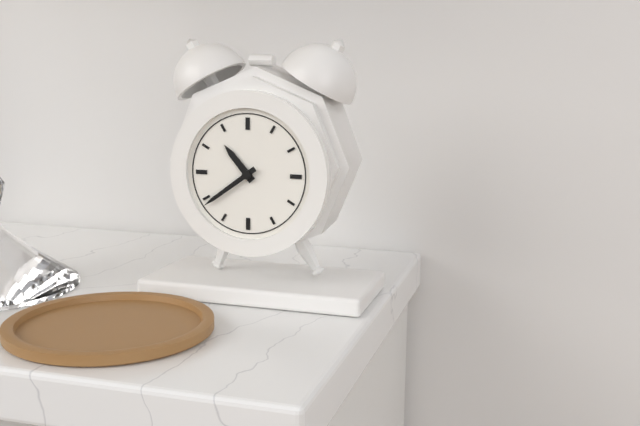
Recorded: h=10 m=39
